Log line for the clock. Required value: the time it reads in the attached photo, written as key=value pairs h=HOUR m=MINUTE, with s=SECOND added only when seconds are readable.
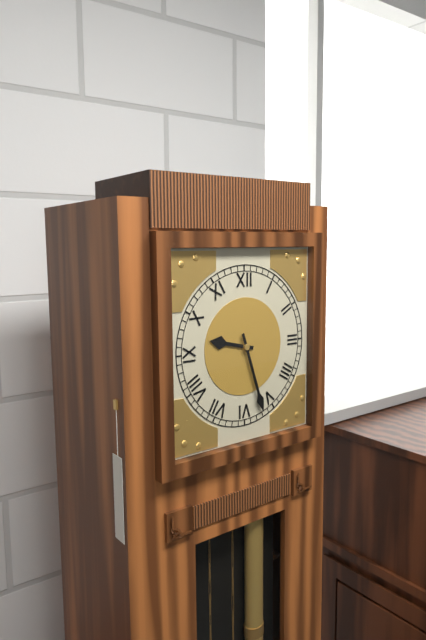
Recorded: h=9 m=27
